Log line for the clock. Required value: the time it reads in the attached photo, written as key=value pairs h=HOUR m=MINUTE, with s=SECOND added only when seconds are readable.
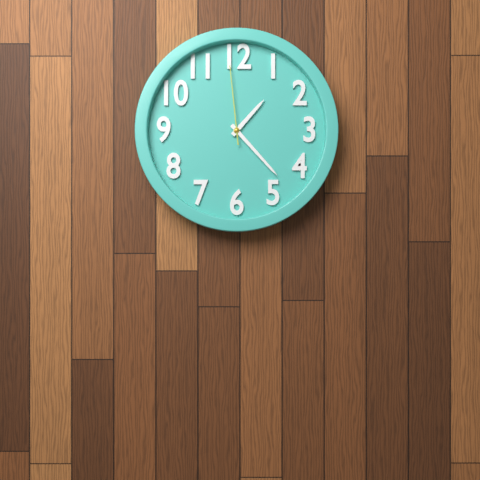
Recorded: h=1 m=23 s=59
